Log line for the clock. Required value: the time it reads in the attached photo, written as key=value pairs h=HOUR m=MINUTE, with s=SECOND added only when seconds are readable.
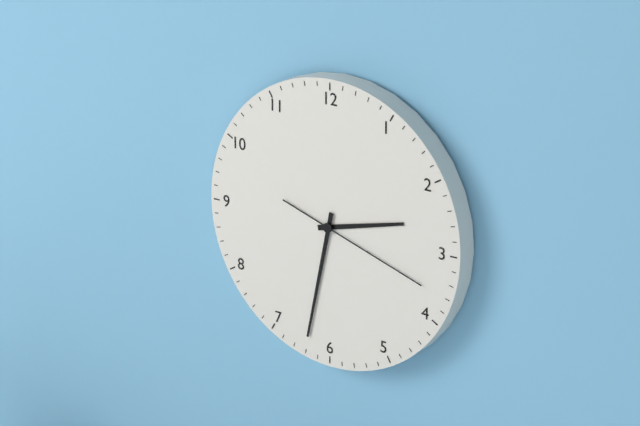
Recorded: h=2 m=32 s=18
